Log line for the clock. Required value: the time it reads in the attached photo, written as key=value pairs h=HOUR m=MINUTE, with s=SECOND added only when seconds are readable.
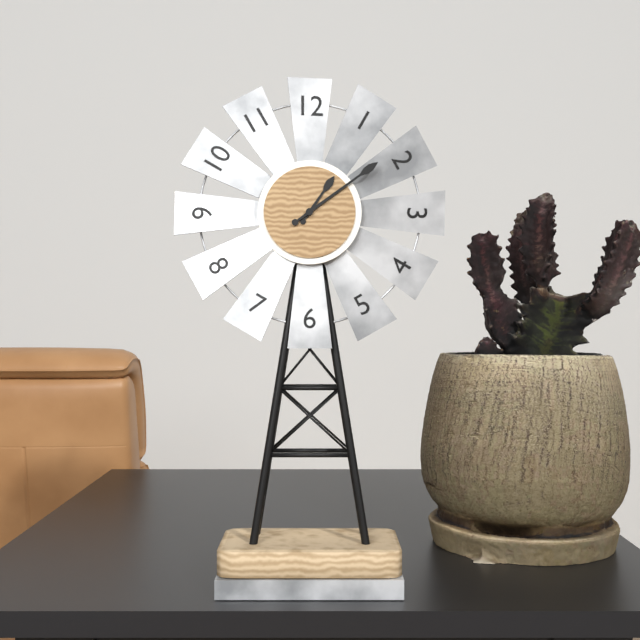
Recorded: h=1 m=9
